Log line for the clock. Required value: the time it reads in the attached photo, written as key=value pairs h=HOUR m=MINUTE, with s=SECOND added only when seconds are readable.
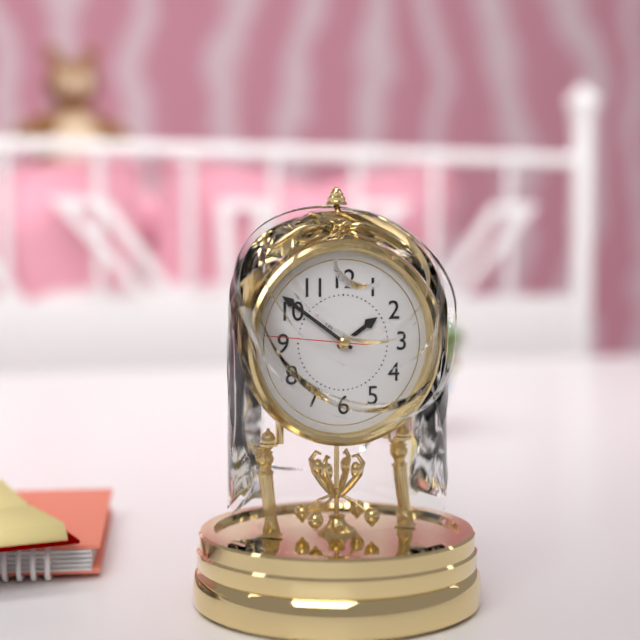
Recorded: h=1 m=51 s=46
